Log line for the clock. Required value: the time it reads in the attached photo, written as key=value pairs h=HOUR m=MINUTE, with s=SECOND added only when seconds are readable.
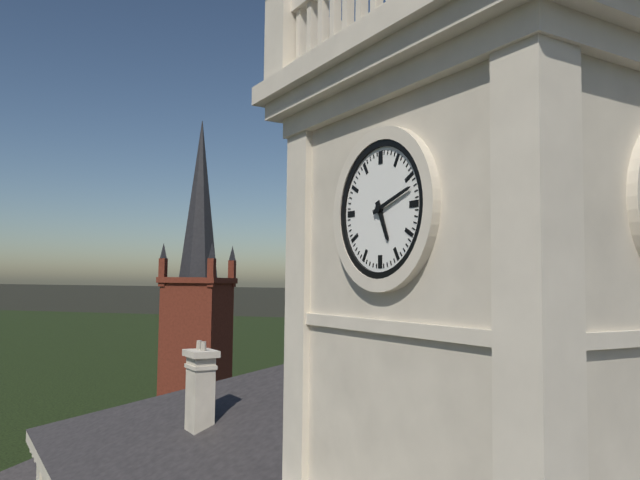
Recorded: h=5 m=12
